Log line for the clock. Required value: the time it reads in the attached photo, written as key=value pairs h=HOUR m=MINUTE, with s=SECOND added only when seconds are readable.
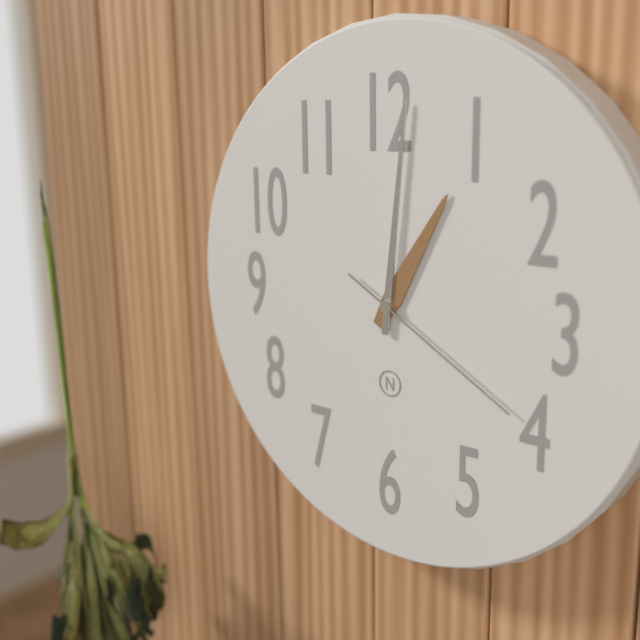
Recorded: h=1 m=1 s=20
